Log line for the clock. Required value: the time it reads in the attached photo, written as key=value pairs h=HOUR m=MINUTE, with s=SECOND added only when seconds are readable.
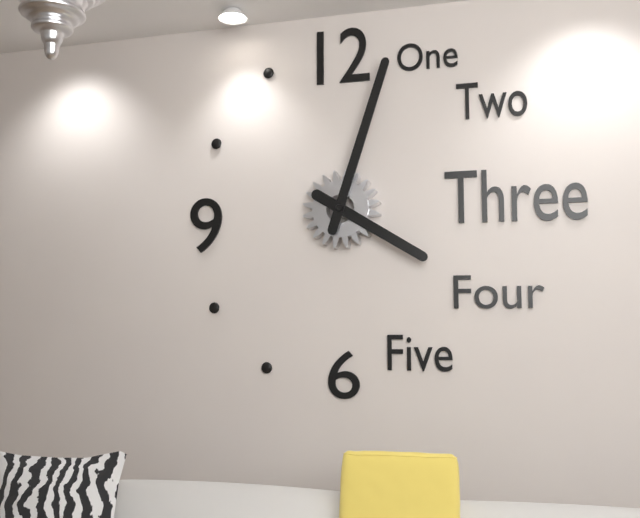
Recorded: h=4 m=3
